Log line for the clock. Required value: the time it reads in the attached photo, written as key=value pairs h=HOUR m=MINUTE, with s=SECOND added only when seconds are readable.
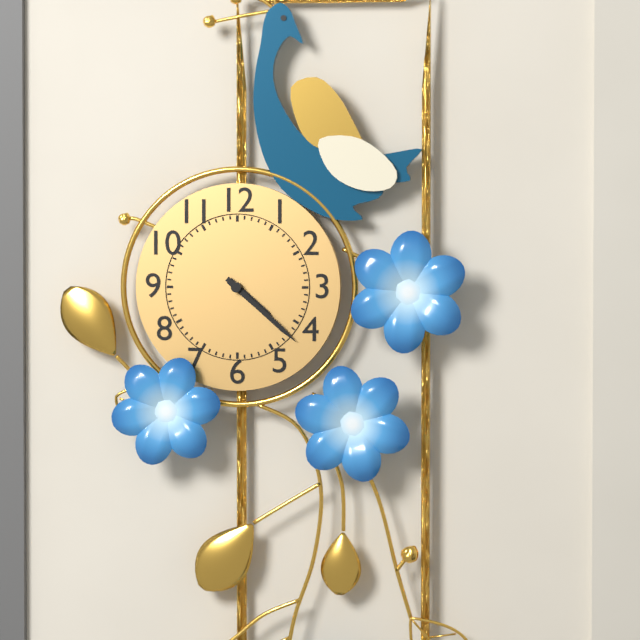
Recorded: h=4 m=22
